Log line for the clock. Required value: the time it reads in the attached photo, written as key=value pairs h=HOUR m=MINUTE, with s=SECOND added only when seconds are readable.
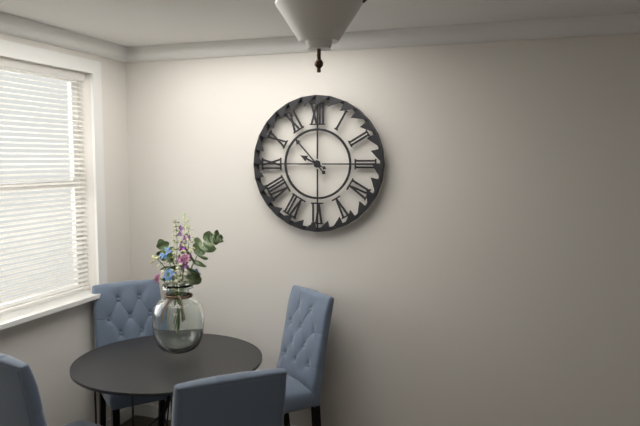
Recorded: h=9 m=53
